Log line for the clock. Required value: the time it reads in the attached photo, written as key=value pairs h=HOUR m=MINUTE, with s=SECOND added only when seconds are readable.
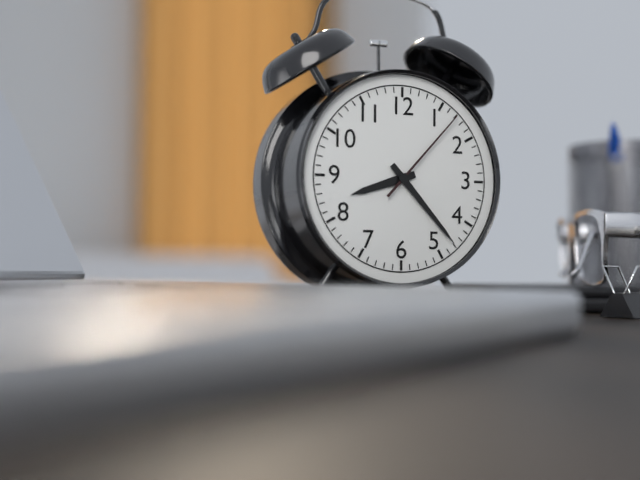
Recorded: h=8 m=23 s=7
